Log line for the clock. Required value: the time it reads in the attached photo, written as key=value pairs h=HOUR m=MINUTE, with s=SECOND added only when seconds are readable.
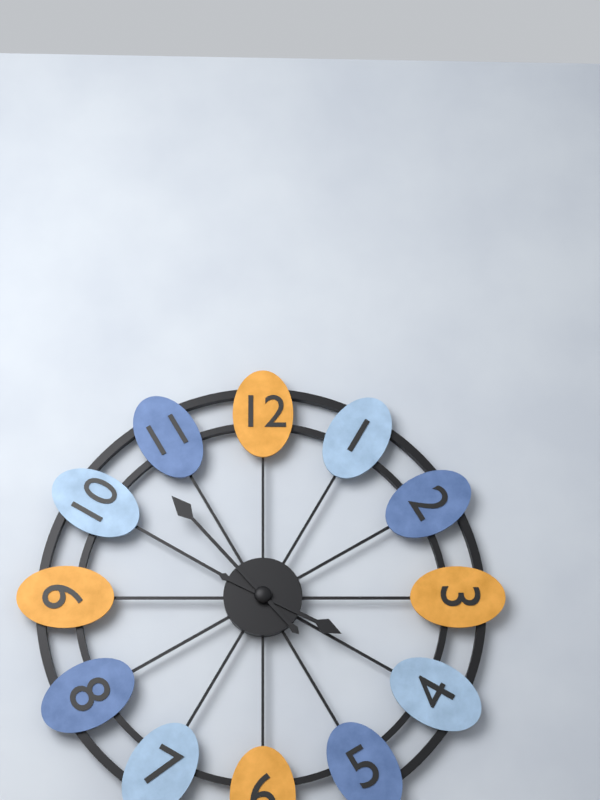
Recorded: h=3 m=53
